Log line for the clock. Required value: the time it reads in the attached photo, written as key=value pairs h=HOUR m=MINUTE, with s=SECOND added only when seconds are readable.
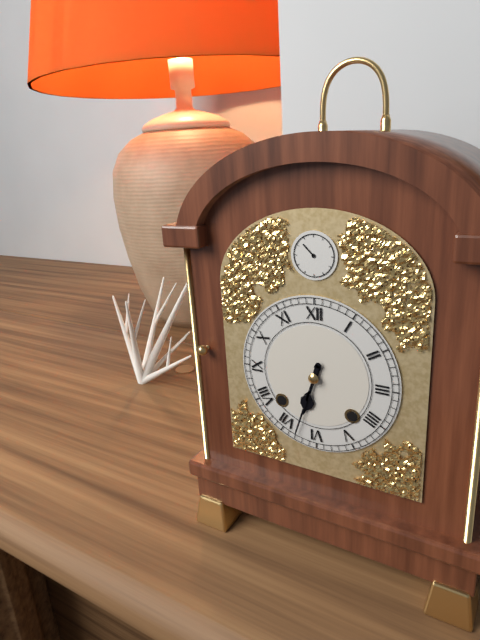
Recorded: h=6 m=33
